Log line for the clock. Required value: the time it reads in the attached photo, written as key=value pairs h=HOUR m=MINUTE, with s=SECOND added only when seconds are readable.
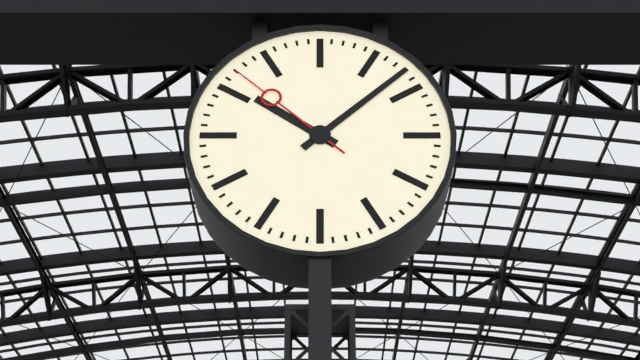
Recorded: h=10 m=8 s=52
